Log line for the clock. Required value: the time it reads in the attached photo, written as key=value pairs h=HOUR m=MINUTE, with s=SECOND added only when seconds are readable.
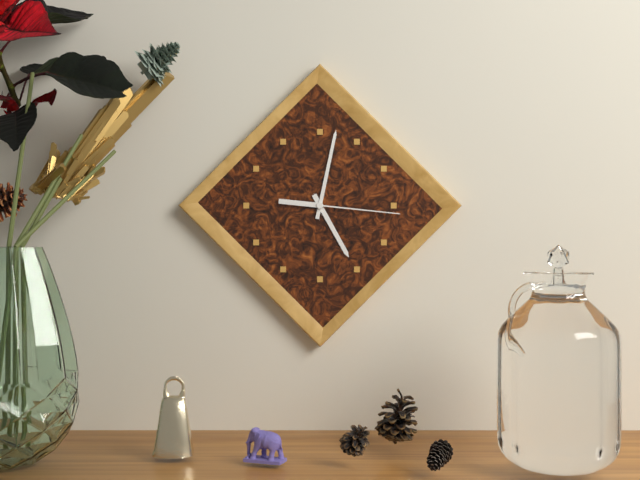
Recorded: h=5 m=2 s=16
